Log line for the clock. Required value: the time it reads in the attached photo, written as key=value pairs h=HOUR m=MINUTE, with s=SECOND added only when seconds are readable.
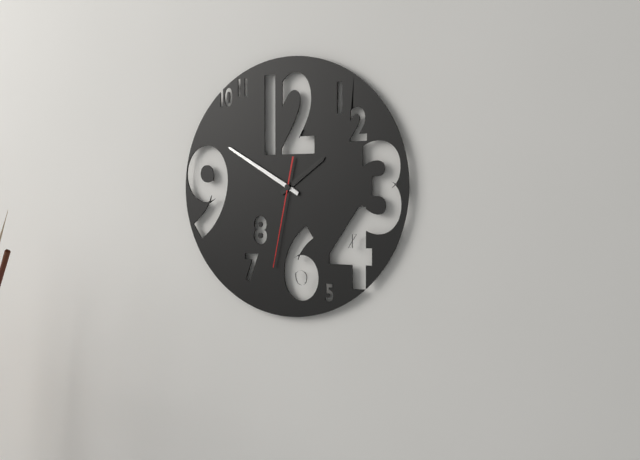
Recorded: h=1 m=50 s=32
